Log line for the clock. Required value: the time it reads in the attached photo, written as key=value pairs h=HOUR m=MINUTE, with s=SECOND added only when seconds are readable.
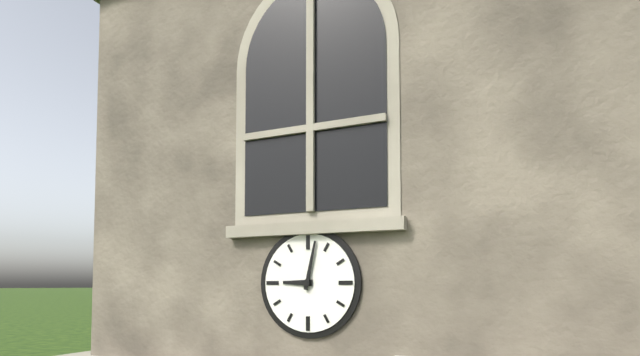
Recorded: h=9 m=2
